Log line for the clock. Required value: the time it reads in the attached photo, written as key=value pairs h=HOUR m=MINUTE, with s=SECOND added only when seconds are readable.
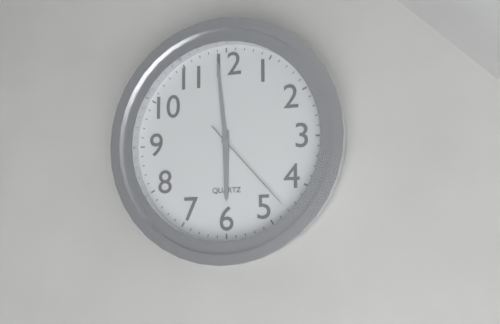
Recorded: h=5 m=59 s=23
